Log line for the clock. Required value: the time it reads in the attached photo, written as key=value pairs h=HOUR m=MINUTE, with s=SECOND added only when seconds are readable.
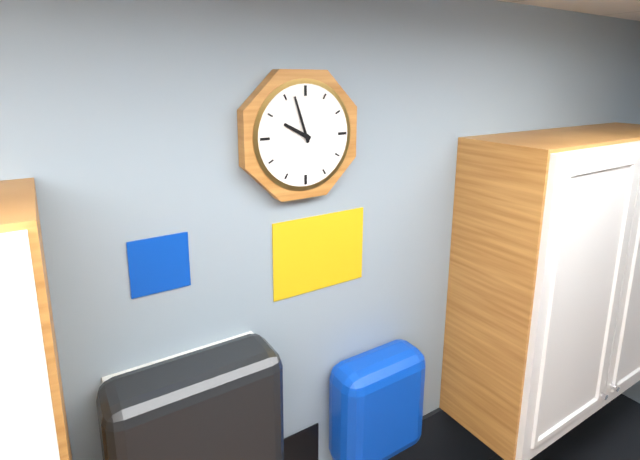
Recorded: h=9 m=57
